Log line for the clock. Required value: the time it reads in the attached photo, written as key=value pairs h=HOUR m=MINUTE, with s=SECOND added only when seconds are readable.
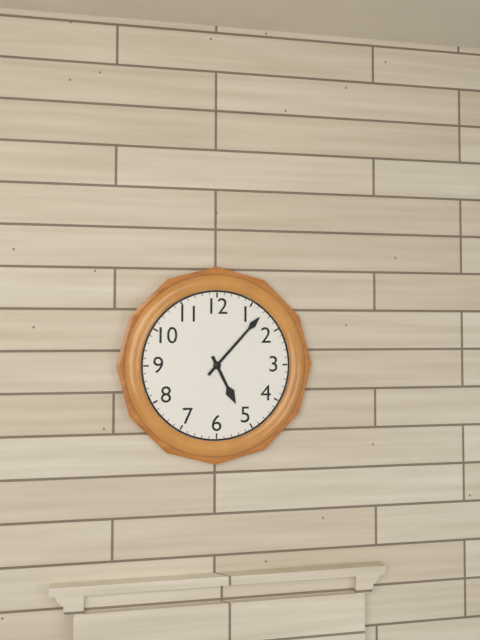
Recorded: h=5 m=7
